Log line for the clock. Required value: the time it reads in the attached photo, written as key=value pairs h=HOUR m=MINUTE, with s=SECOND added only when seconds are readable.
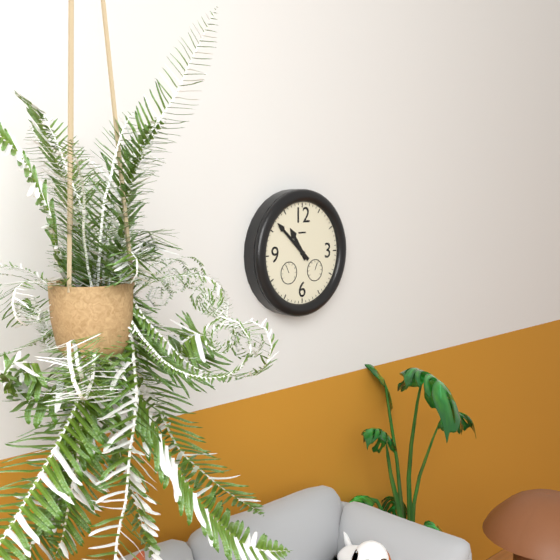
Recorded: h=10 m=52
